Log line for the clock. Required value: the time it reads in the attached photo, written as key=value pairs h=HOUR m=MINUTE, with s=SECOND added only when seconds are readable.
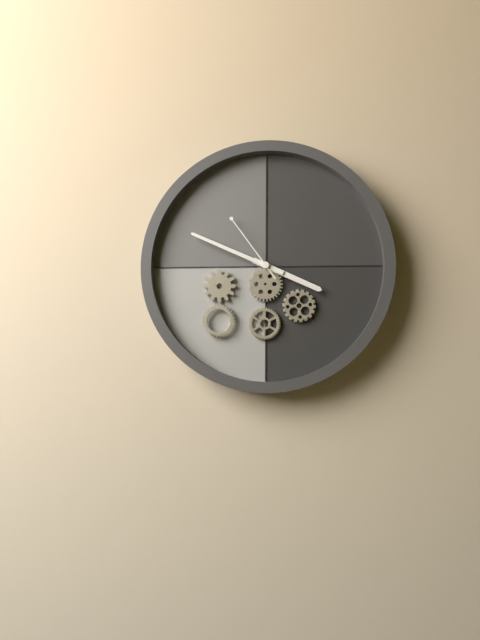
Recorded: h=3 m=49 s=54
